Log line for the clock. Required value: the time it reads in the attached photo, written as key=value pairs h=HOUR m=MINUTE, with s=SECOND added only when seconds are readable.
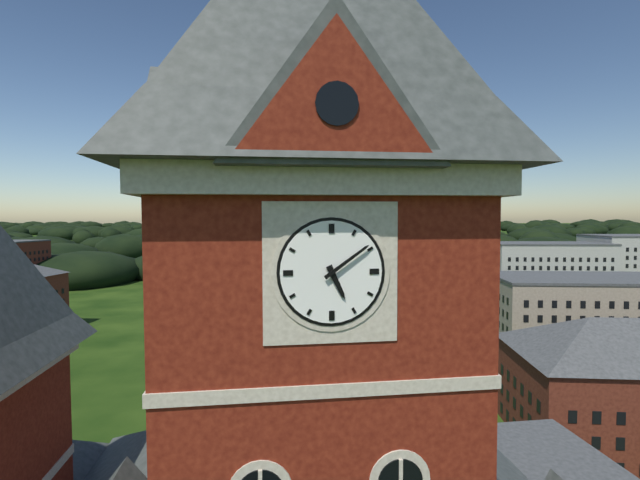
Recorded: h=5 m=9
